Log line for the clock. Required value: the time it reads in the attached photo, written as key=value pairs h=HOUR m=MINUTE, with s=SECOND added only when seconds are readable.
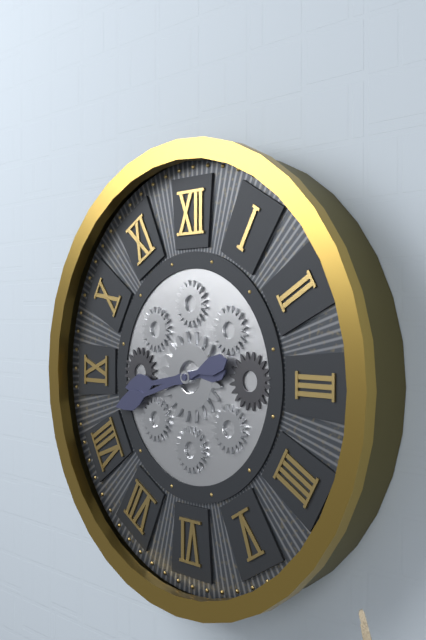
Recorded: h=8 m=42
